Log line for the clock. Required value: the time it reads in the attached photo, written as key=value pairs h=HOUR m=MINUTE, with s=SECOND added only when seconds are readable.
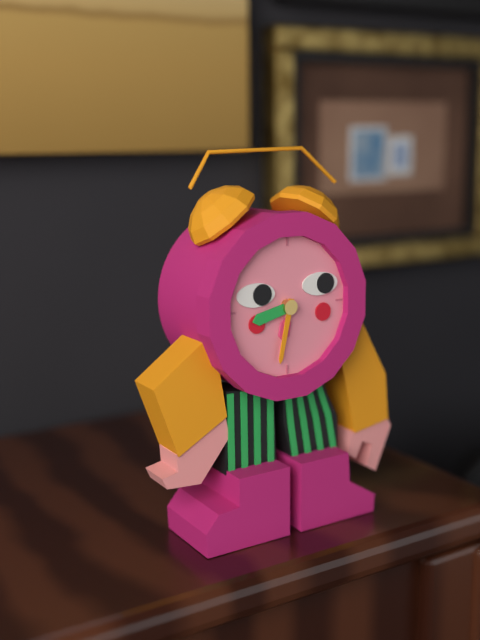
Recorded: h=8 m=32
